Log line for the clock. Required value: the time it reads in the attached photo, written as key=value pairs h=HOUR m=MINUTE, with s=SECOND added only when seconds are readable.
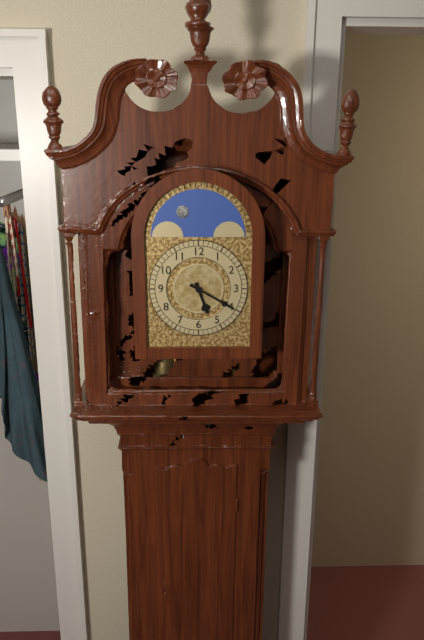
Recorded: h=5 m=20
